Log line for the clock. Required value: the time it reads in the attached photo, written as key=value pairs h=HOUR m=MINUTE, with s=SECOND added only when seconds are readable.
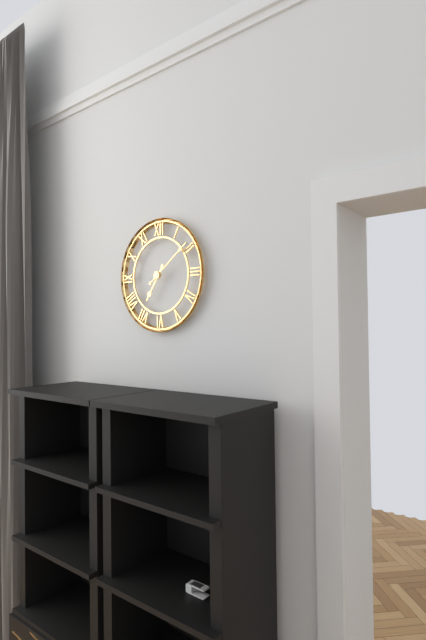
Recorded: h=7 m=9
